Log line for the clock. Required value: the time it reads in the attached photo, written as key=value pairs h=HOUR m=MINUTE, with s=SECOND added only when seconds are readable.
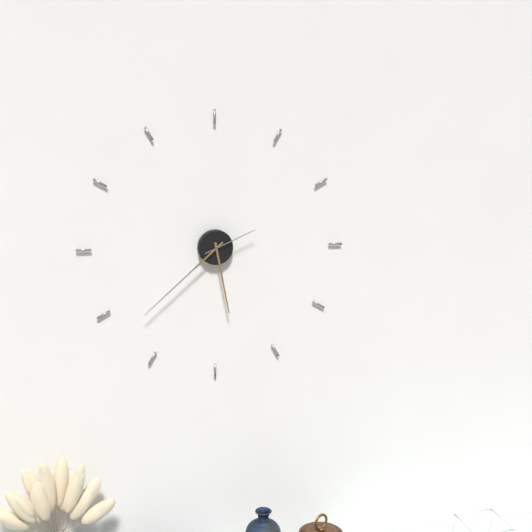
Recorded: h=5 m=38 s=11
